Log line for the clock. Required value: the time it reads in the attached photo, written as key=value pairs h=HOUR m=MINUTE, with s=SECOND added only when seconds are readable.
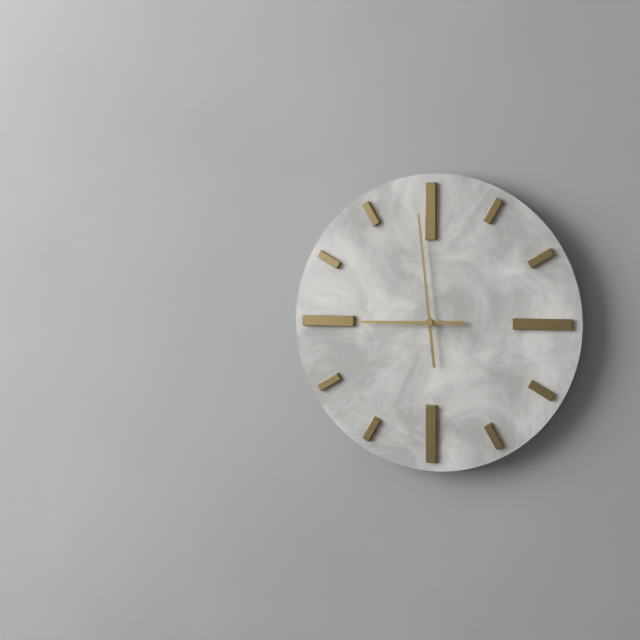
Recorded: h=8 m=59
